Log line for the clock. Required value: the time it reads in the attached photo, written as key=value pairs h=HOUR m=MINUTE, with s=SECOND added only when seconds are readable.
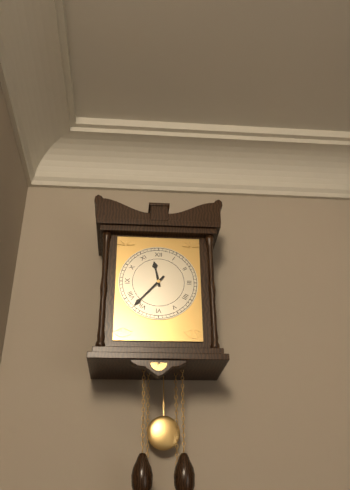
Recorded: h=11 m=37
